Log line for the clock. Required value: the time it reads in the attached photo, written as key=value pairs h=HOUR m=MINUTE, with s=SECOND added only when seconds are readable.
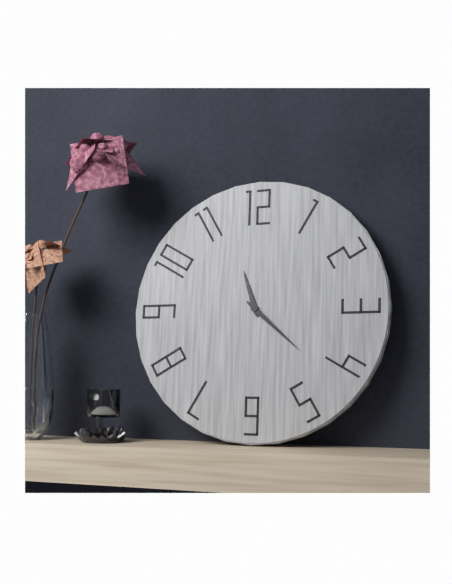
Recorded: h=11 m=22
